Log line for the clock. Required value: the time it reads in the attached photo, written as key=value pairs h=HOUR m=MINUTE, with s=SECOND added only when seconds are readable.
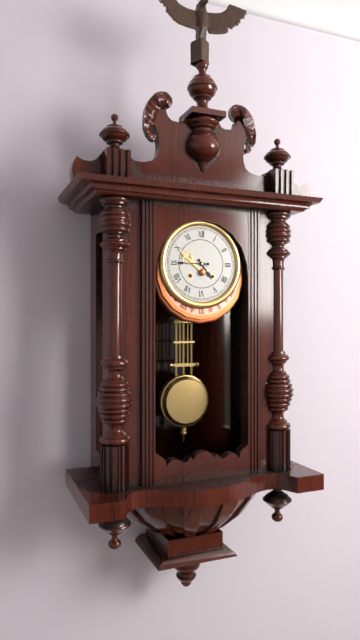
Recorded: h=4 m=45
